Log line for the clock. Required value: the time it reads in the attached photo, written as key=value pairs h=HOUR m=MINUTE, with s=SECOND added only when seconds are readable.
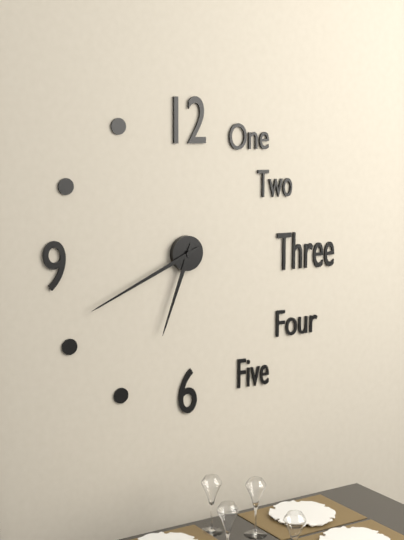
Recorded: h=6 m=41
